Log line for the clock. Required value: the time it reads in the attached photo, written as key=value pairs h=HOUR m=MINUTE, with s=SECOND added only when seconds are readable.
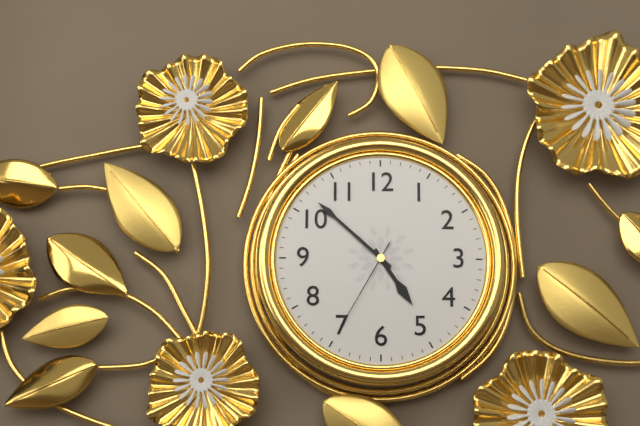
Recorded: h=4 m=52 s=35
